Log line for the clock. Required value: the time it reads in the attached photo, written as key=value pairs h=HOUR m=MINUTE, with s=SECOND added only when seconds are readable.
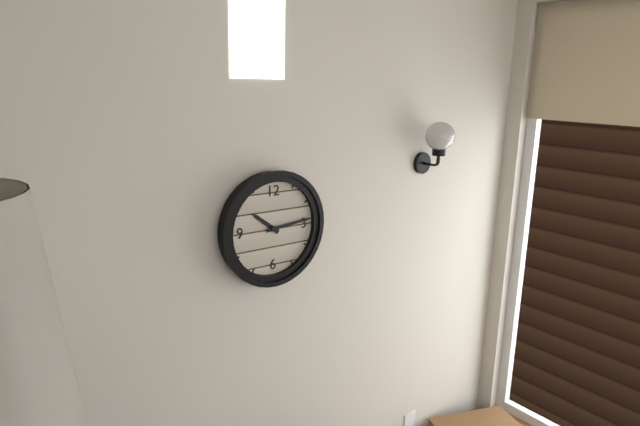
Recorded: h=10 m=14
